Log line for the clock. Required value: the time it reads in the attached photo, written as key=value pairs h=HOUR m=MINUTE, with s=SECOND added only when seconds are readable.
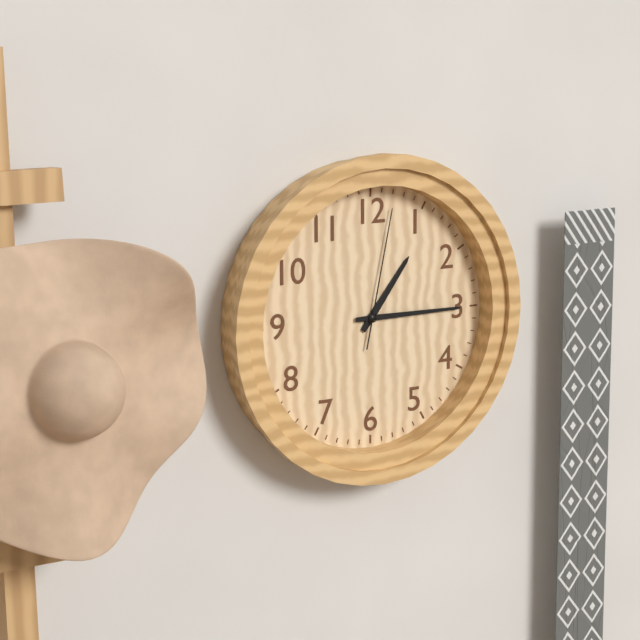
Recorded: h=1 m=15 s=2
